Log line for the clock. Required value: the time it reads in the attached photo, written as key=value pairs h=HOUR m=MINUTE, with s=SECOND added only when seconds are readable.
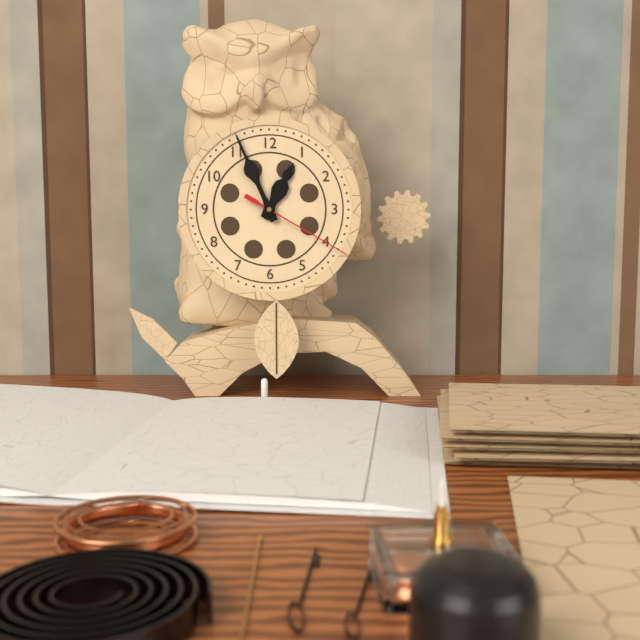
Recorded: h=12 m=56 s=20
